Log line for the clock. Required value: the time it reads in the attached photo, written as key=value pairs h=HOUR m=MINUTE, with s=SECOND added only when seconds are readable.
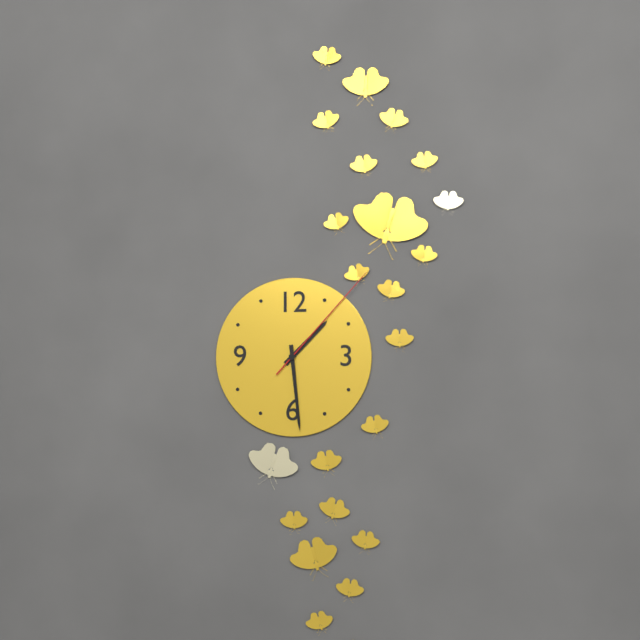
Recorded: h=1 m=29 s=7
